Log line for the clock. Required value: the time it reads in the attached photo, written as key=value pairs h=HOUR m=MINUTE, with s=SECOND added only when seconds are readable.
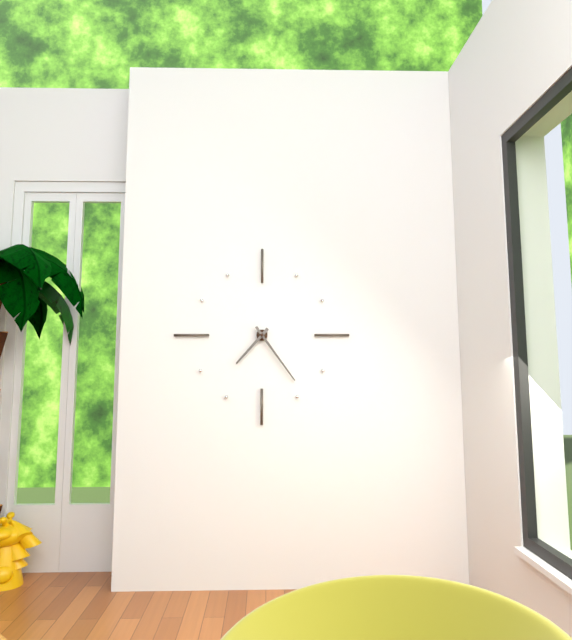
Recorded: h=7 m=24
